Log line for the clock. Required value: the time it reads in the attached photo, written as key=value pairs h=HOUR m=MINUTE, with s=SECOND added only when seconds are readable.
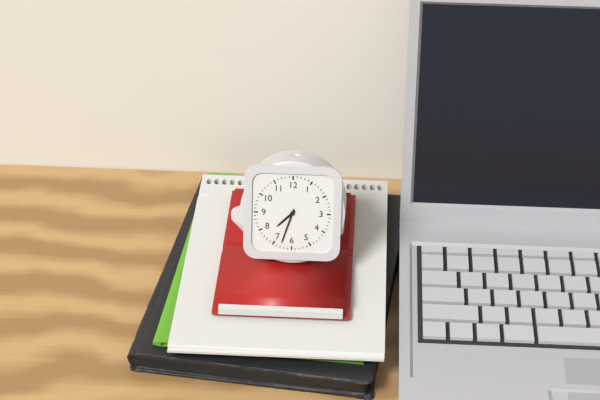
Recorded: h=7 m=33
